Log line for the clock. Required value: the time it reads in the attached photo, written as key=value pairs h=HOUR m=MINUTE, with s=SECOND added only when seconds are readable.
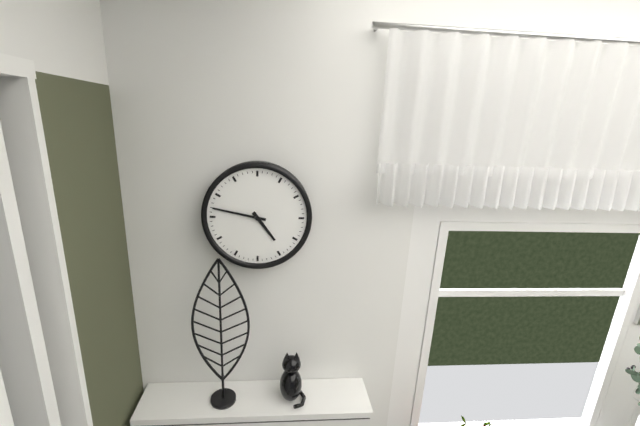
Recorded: h=4 m=47
